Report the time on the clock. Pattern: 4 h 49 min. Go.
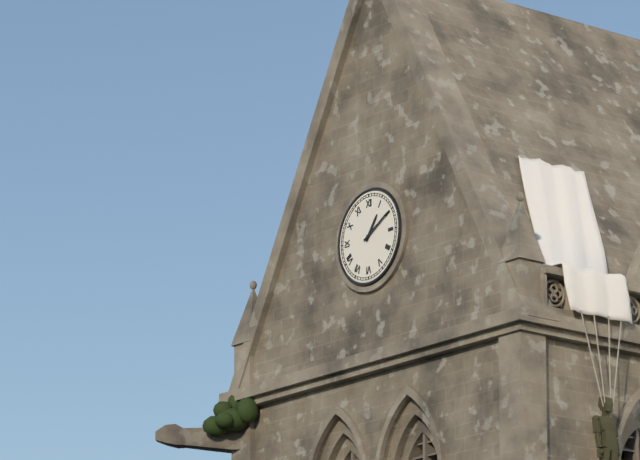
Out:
1 h 10 min
